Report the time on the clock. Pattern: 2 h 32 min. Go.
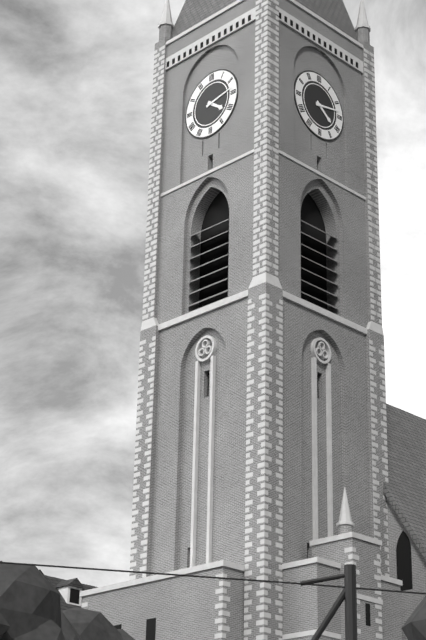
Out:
4 h 13 min
